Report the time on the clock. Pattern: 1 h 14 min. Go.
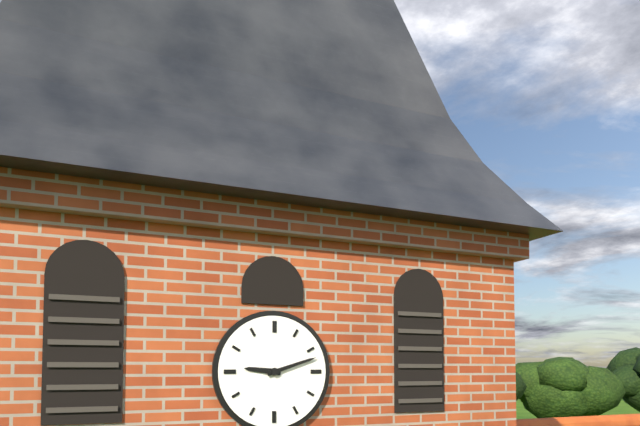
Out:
9 h 12 min
